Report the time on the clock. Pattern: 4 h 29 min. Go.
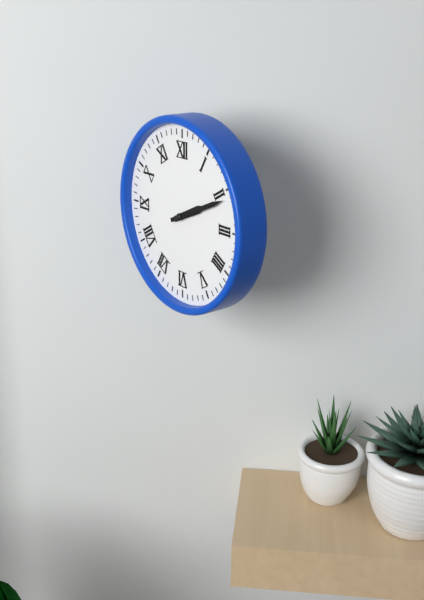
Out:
2 h 11 min
